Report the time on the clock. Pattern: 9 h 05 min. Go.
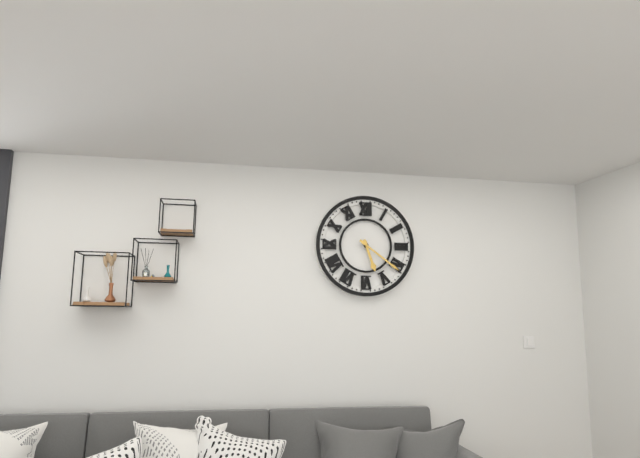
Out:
5 h 21 min
